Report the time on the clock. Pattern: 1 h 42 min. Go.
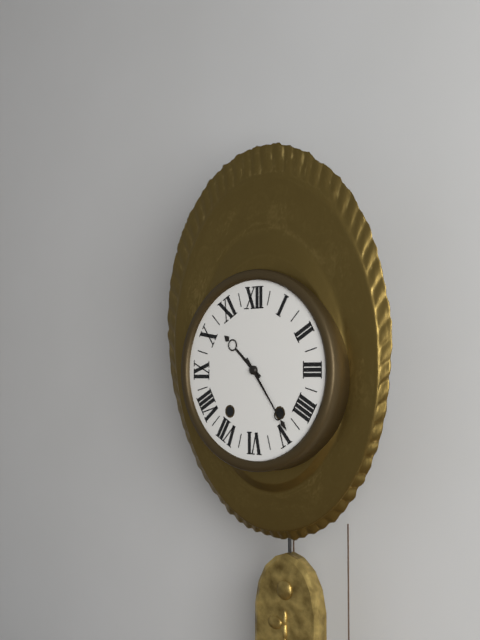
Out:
10 h 24 min
